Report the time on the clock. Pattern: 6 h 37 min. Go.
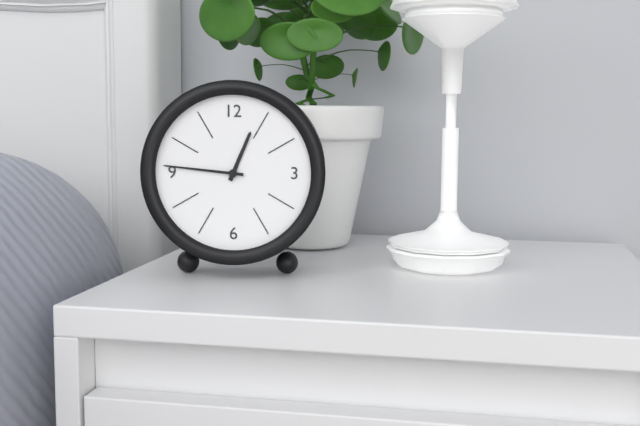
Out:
12 h 46 min
